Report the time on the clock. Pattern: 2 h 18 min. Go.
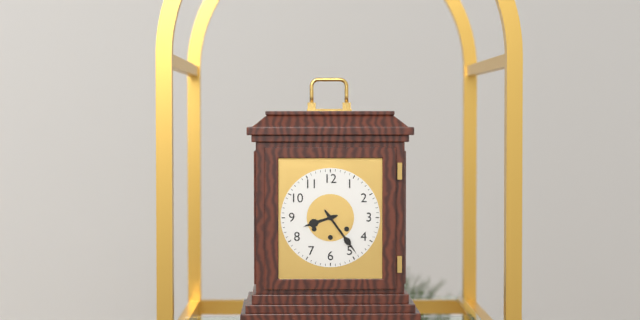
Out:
8 h 24 min
